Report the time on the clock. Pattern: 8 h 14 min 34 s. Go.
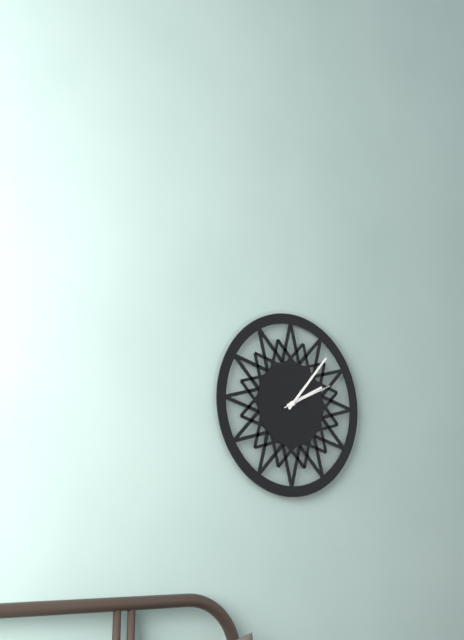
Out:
2 h 07 min 11 s
